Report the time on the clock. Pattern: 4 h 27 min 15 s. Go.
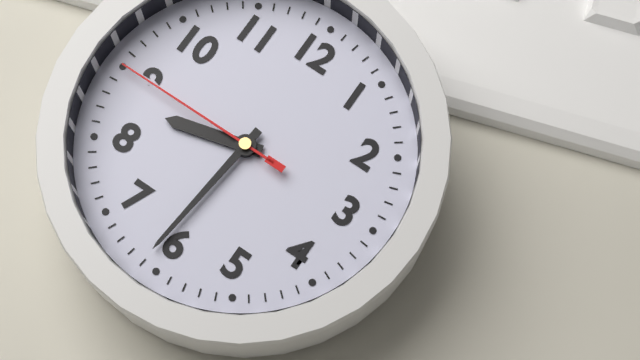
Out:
8 h 31 min 45 s
